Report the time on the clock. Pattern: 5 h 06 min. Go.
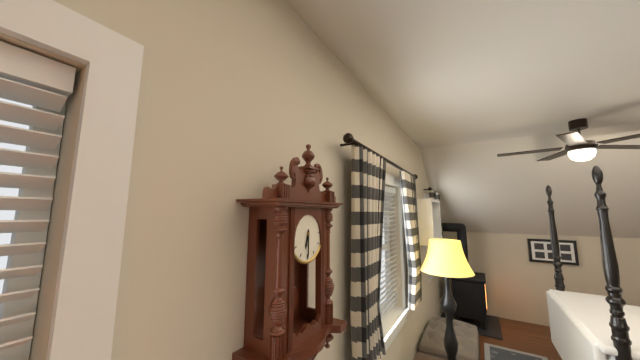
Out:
6 h 30 min
